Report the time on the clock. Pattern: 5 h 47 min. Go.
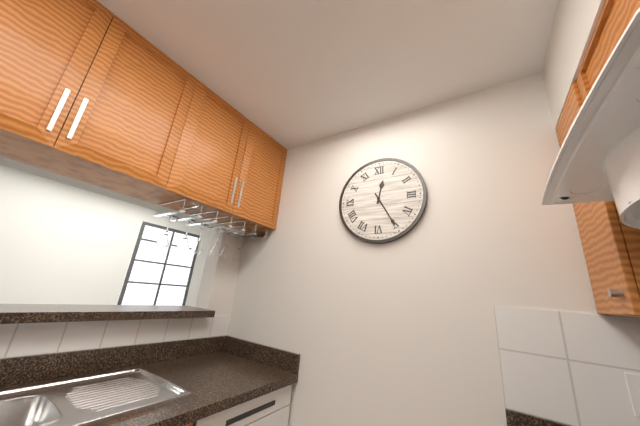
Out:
12 h 25 min
